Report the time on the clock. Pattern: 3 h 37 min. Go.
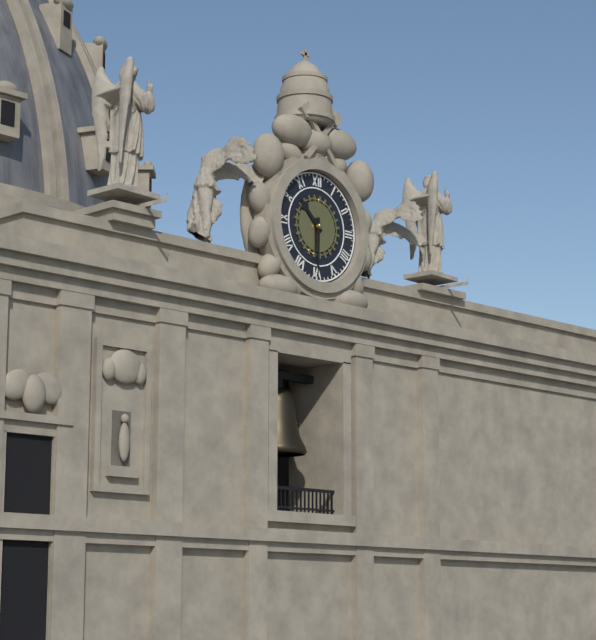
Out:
10 h 30 min
